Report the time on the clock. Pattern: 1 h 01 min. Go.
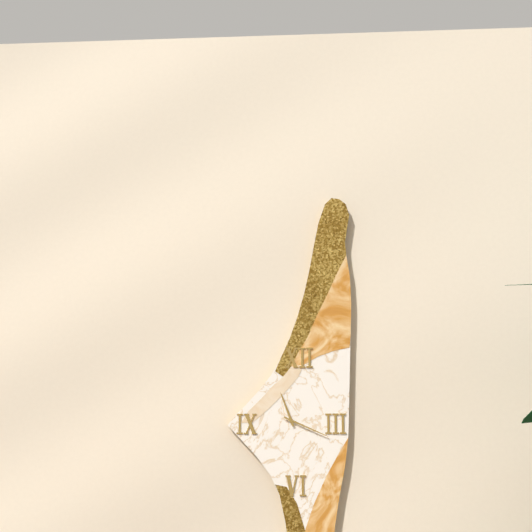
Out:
11 h 19 min
